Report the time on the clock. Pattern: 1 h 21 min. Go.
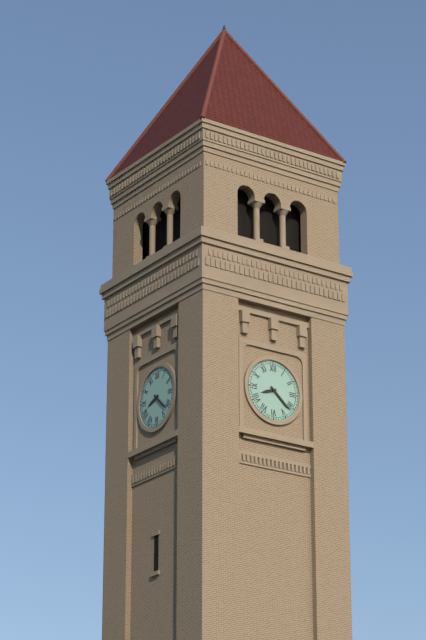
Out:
8 h 22 min
